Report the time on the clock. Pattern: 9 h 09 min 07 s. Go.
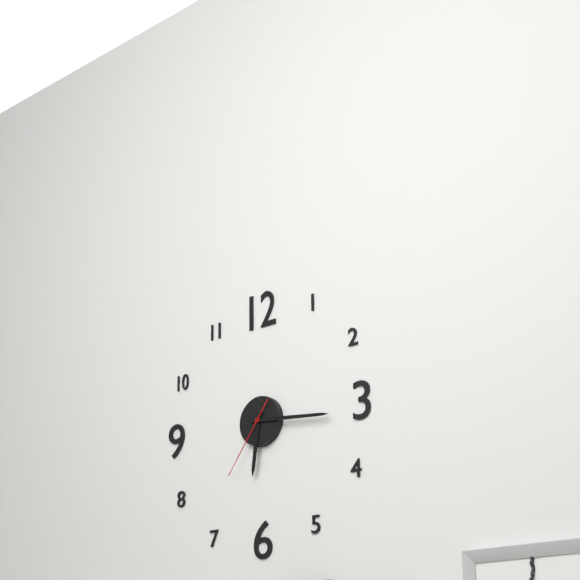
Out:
6 h 16 min 36 s
